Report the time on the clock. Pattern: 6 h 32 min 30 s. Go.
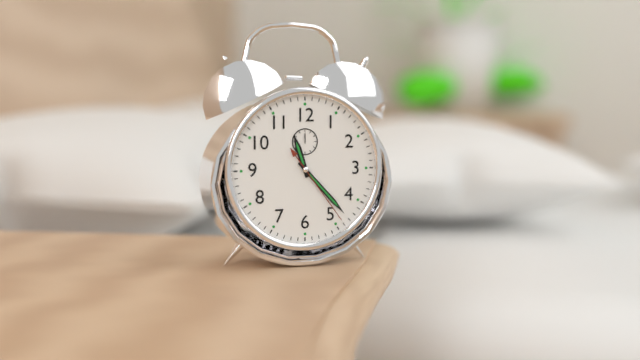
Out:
11 h 23 min 24 s
